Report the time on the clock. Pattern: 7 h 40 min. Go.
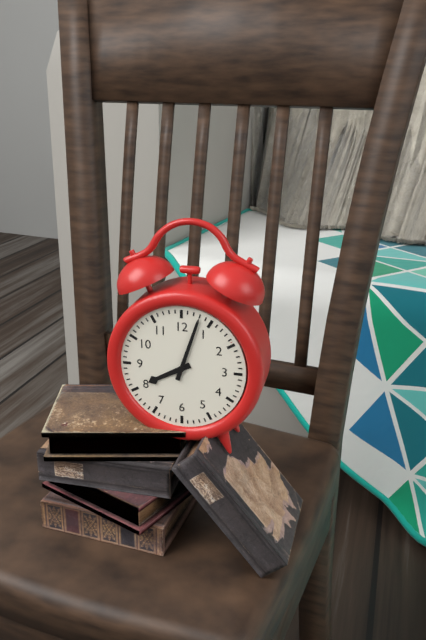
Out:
8 h 03 min
